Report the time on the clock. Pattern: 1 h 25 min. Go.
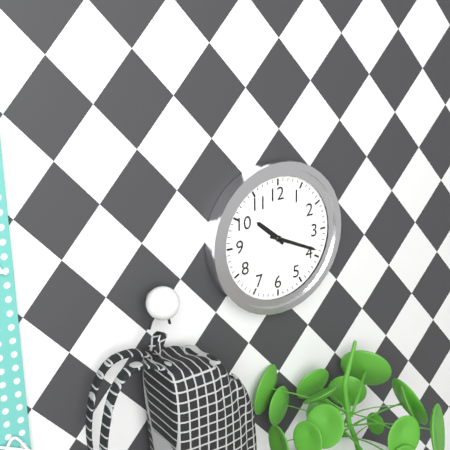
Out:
10 h 19 min
